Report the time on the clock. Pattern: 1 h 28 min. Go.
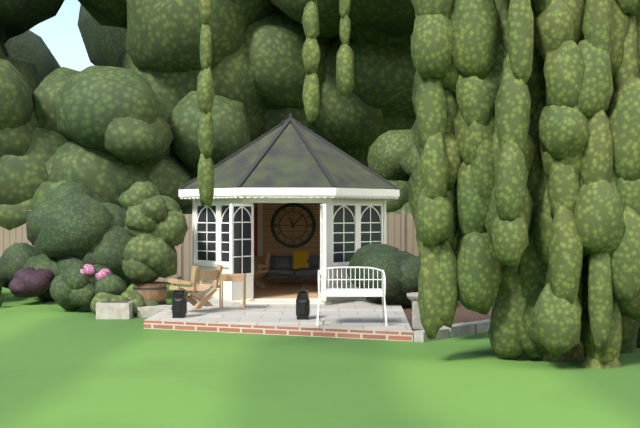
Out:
11 h 07 min
